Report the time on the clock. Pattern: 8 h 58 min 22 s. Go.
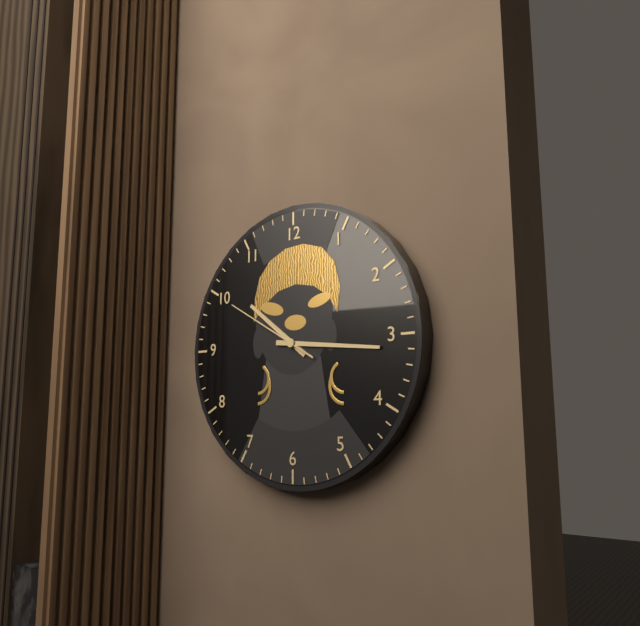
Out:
10 h 16 min 50 s
